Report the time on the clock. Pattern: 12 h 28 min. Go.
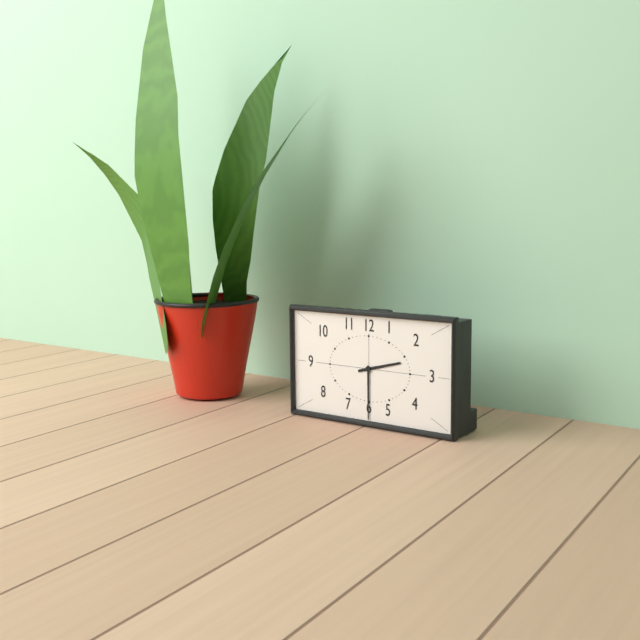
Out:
2 h 30 min
